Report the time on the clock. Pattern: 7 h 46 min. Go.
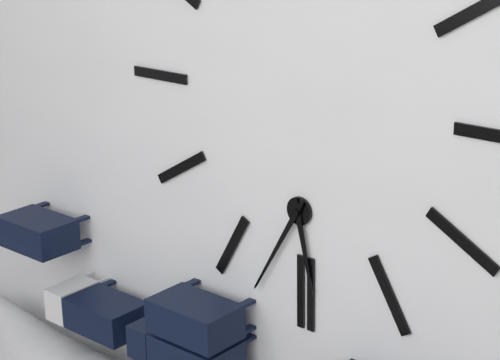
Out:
5 h 35 min
